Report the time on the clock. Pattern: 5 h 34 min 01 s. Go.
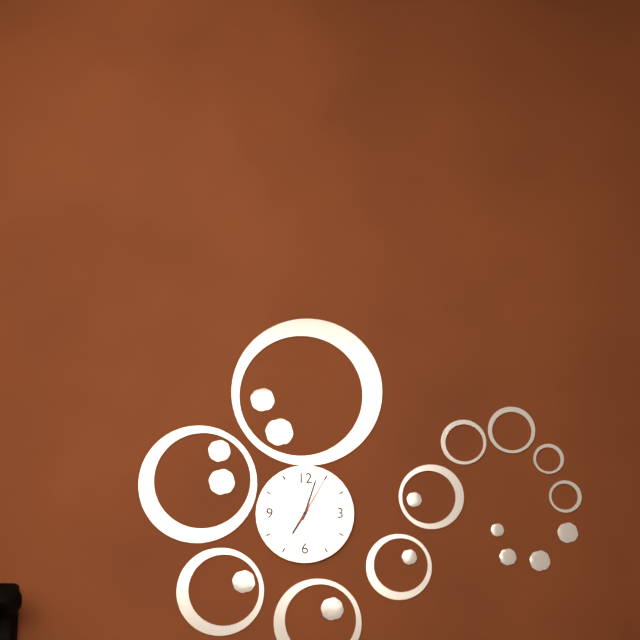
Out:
7 h 03 min 05 s
